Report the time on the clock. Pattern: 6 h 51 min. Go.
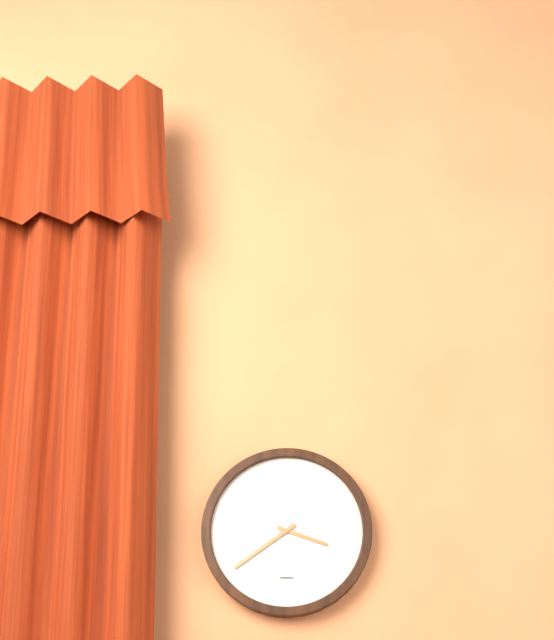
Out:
3 h 39 min
